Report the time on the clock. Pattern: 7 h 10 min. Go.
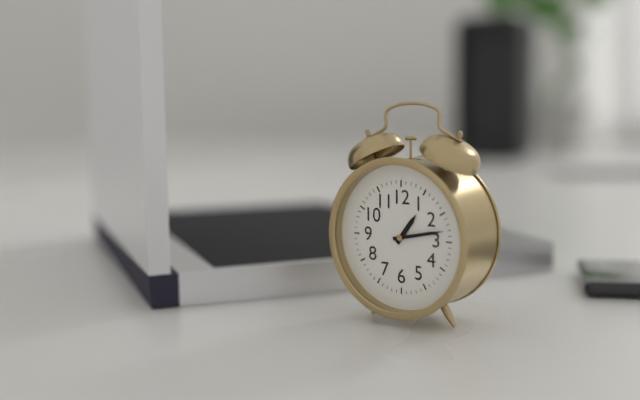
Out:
1 h 13 min
